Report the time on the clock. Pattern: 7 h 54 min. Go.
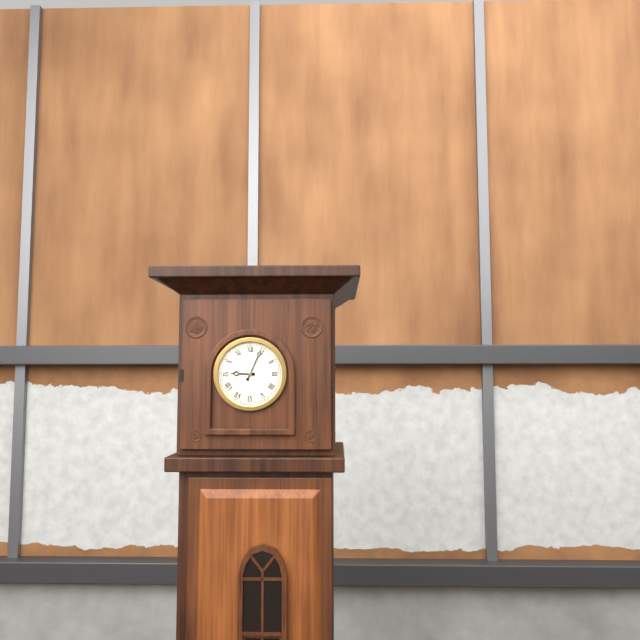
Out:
9 h 04 min
